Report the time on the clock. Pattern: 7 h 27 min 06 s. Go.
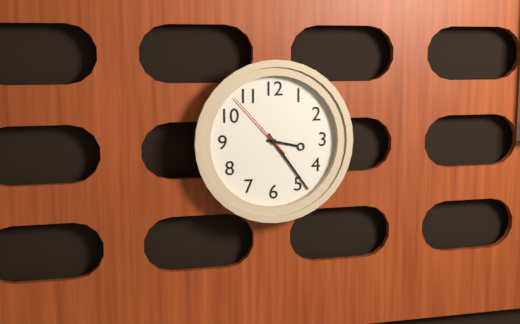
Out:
3 h 24 min 53 s
